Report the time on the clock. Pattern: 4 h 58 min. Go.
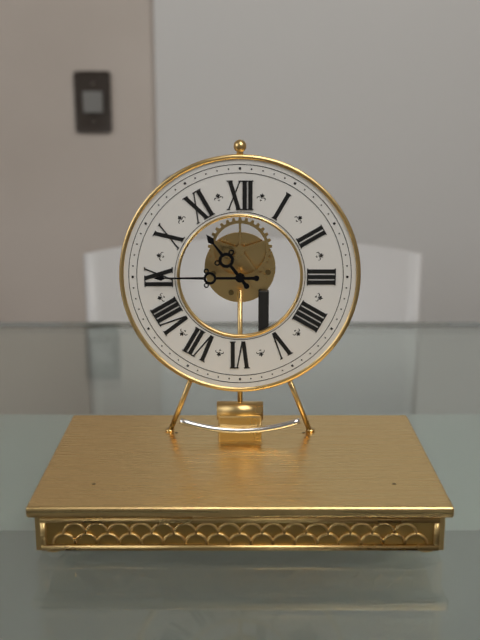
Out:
10 h 45 min
